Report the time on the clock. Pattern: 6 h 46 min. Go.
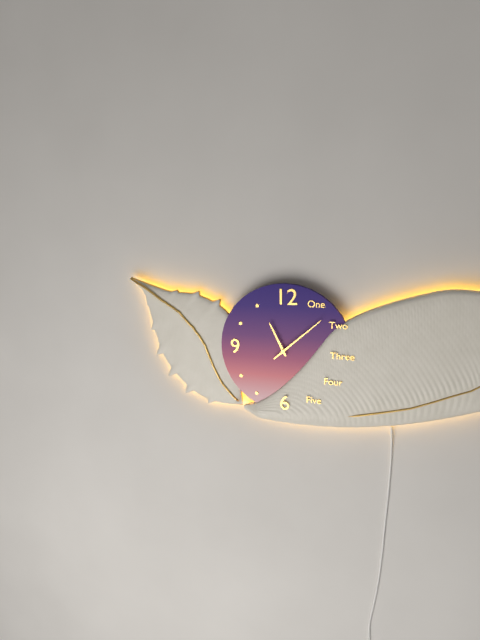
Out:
11 h 08 min
